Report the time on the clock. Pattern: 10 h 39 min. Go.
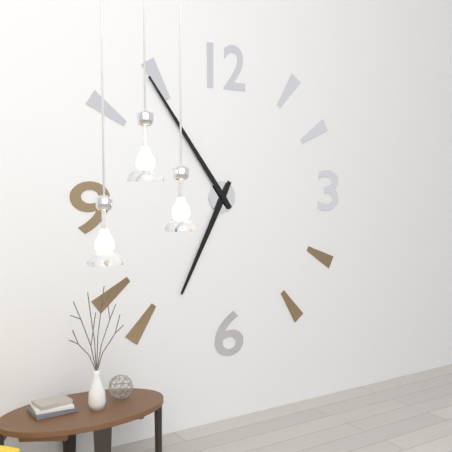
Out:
6 h 54 min
